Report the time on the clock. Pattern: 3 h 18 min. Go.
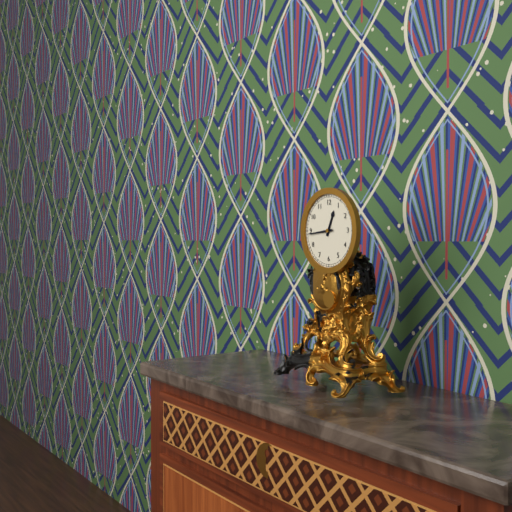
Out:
12 h 44 min
